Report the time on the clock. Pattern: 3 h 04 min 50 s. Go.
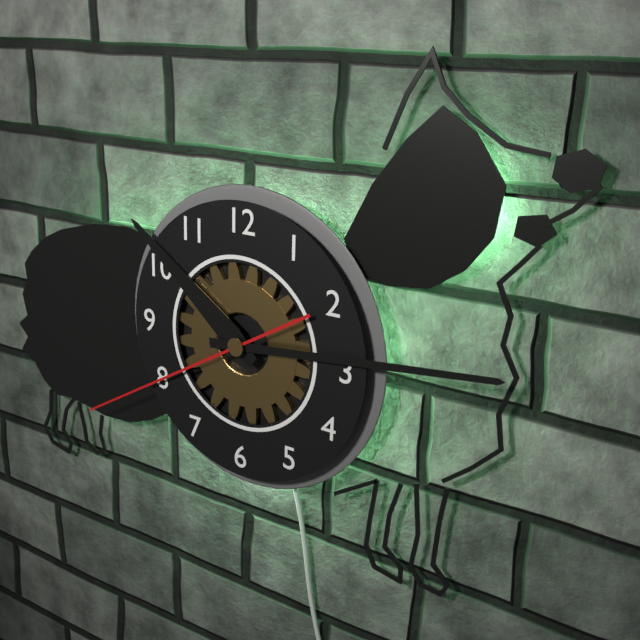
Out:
10 h 14 min 40 s
